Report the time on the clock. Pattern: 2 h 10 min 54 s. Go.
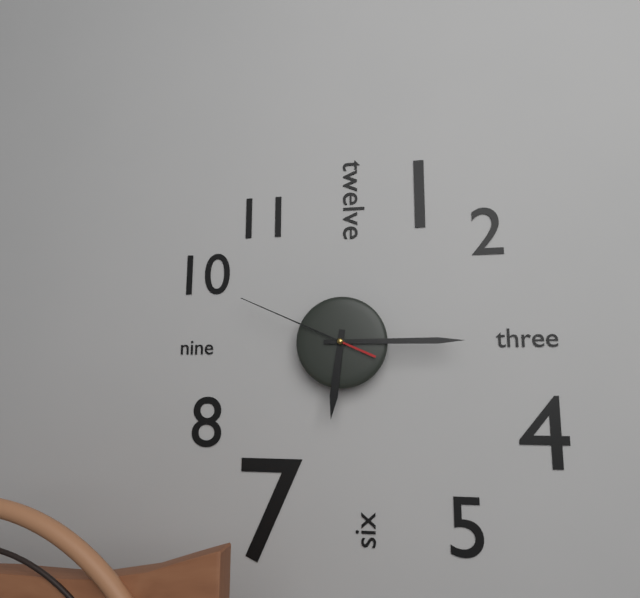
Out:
6 h 15 min 49 s
